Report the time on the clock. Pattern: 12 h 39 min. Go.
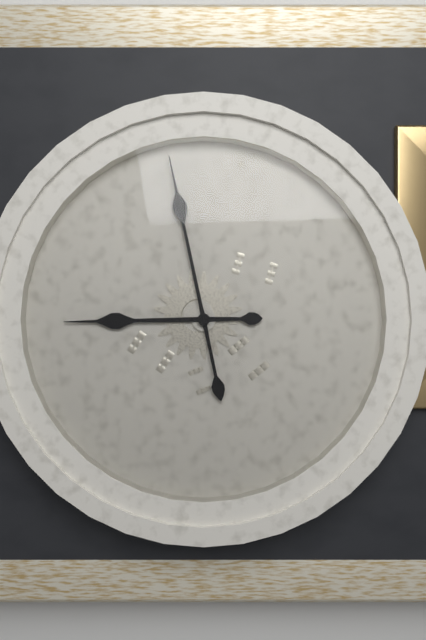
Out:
8 h 58 min
